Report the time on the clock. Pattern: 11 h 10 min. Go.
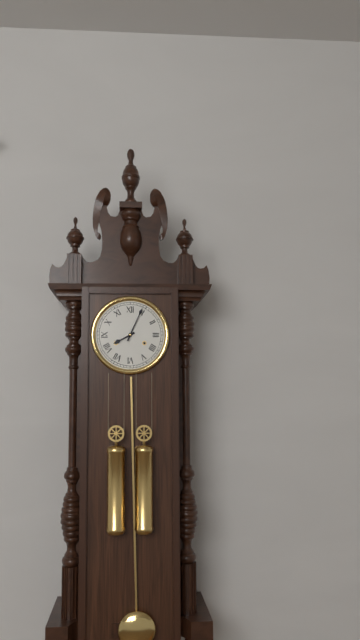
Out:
8 h 04 min
